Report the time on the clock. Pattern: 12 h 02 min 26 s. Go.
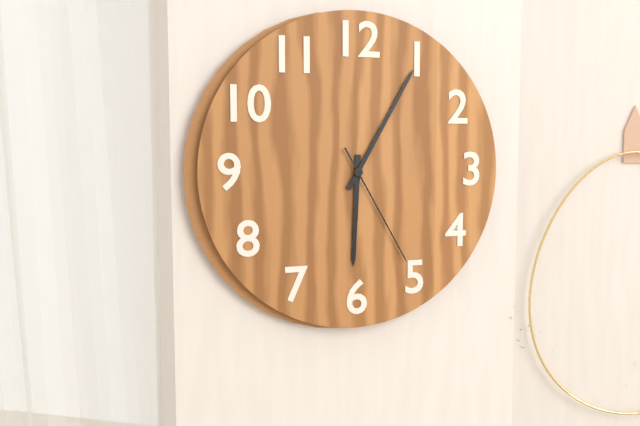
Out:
6 h 05 min 25 s
